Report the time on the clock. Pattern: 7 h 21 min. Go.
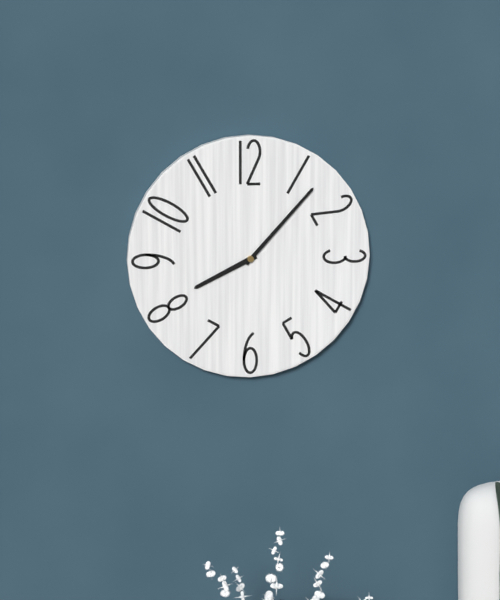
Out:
8 h 07 min
